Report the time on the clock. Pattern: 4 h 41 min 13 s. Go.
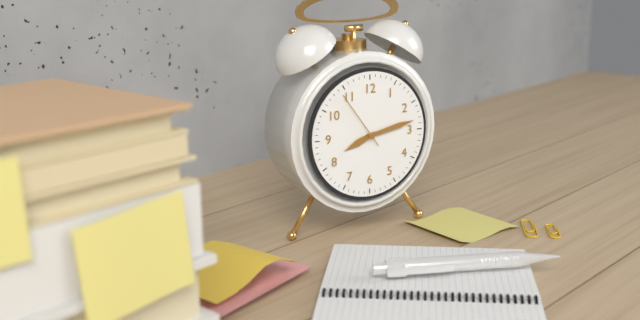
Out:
8 h 13 min 54 s
